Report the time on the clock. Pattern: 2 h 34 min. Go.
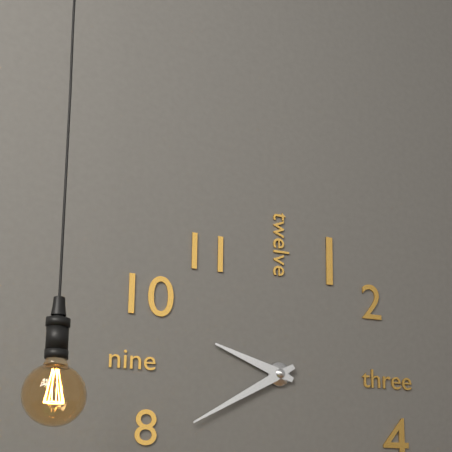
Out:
9 h 40 min
